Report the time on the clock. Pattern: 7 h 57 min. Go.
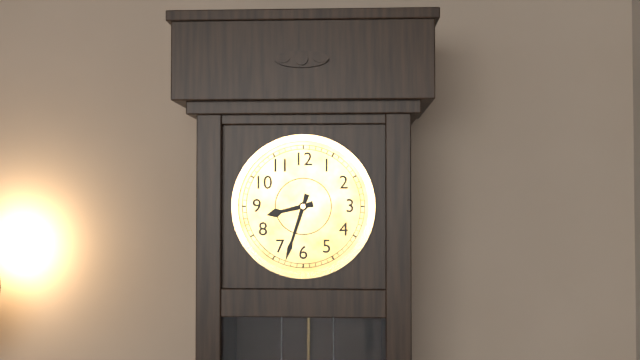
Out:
8 h 33 min
